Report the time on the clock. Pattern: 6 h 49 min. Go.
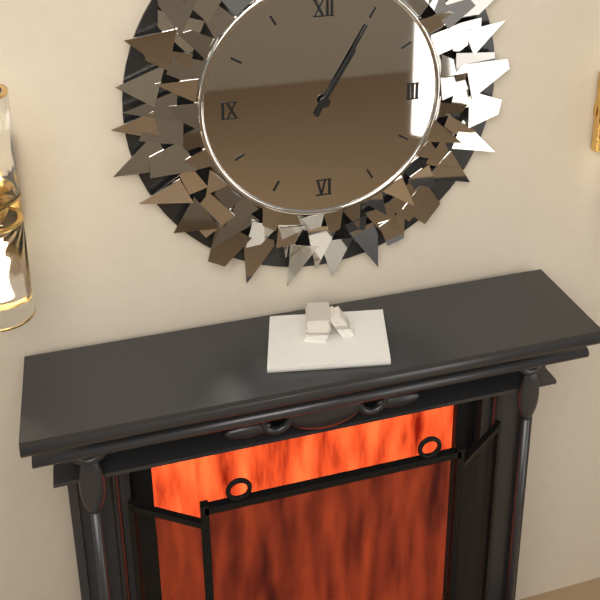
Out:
1 h 05 min
